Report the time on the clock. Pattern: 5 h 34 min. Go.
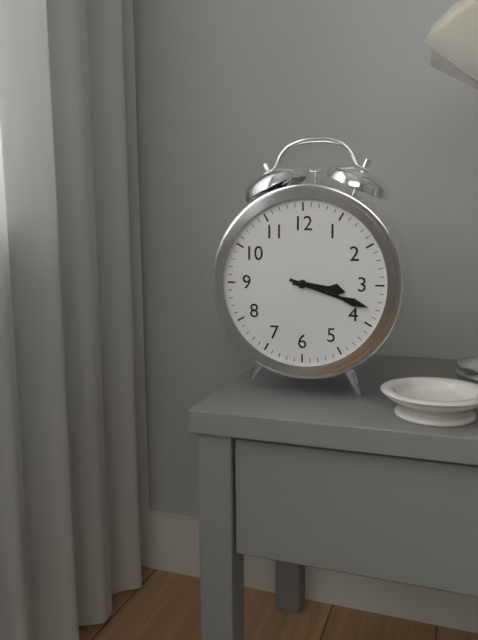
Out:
3 h 18 min
